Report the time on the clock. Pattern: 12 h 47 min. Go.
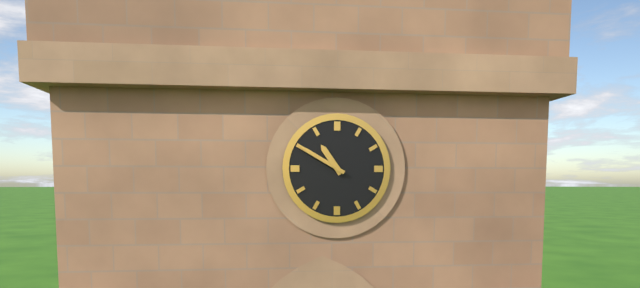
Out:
10 h 50 min
